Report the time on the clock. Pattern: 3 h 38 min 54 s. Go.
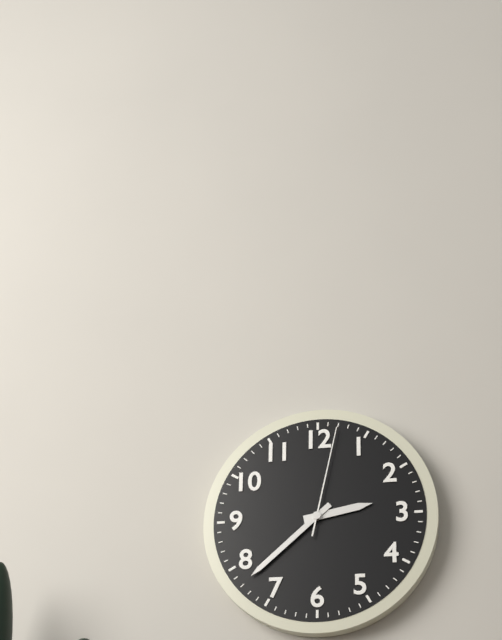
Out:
2 h 38 min 02 s
